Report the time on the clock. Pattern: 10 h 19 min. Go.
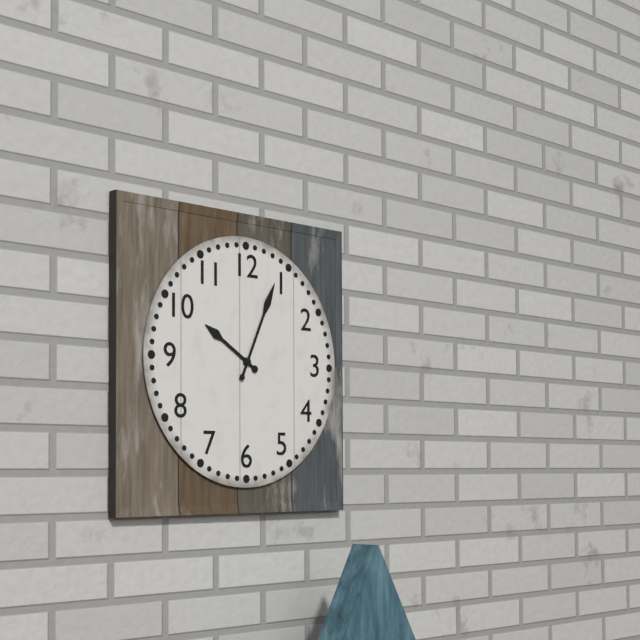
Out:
10 h 04 min
